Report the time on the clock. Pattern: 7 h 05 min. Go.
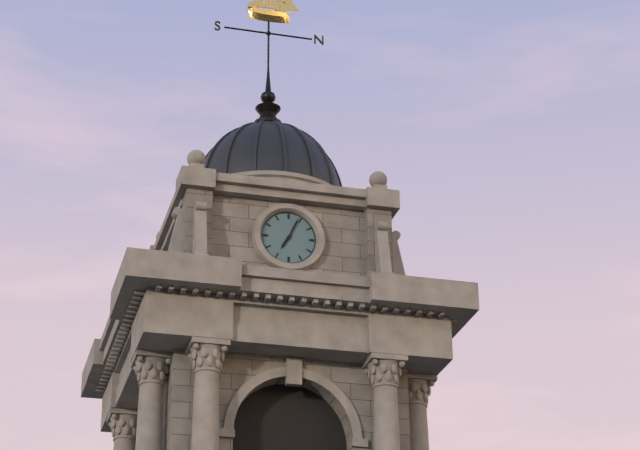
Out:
7 h 04 min
